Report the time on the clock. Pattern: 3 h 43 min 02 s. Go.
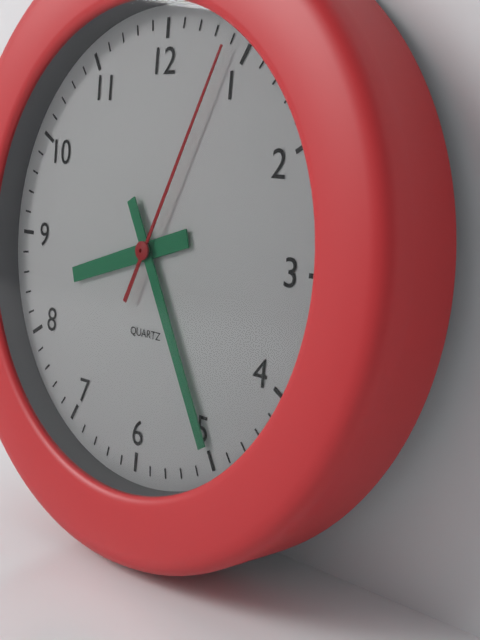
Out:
8 h 25 min 04 s
